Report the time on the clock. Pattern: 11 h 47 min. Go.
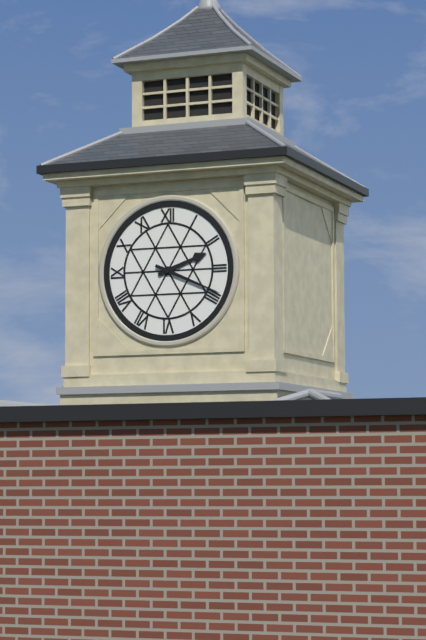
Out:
2 h 19 min
